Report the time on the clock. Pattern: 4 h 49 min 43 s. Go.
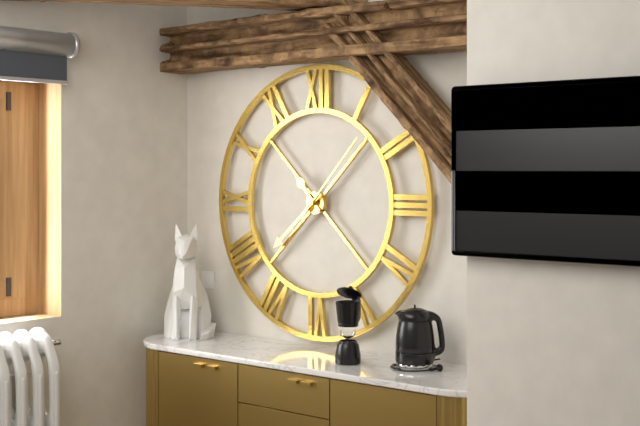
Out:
10 h 38 min 07 s
